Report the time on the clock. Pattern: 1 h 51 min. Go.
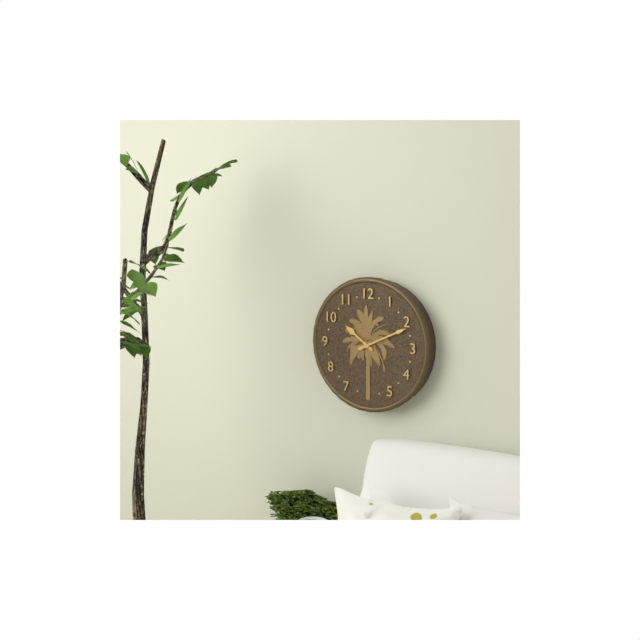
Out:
10 h 11 min
